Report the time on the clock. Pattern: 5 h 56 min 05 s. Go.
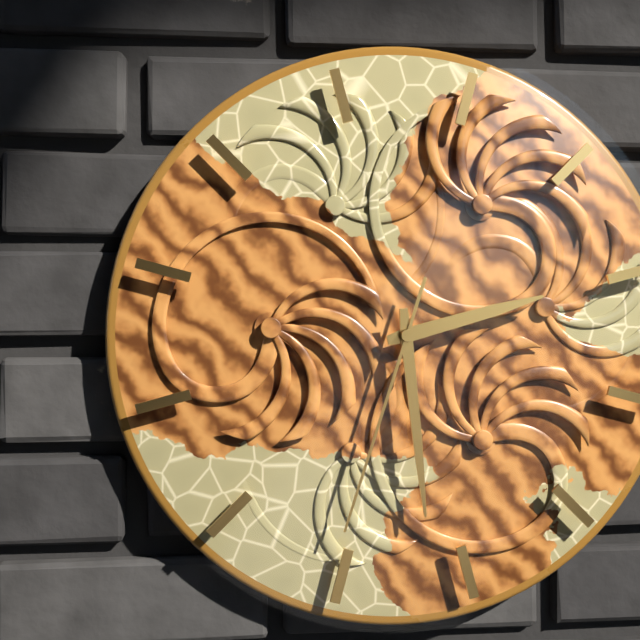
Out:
2 h 29 min 33 s
